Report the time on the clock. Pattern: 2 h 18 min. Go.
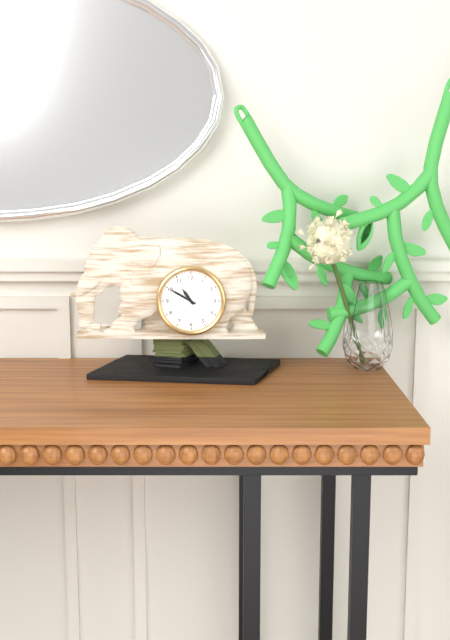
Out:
10 h 50 min
